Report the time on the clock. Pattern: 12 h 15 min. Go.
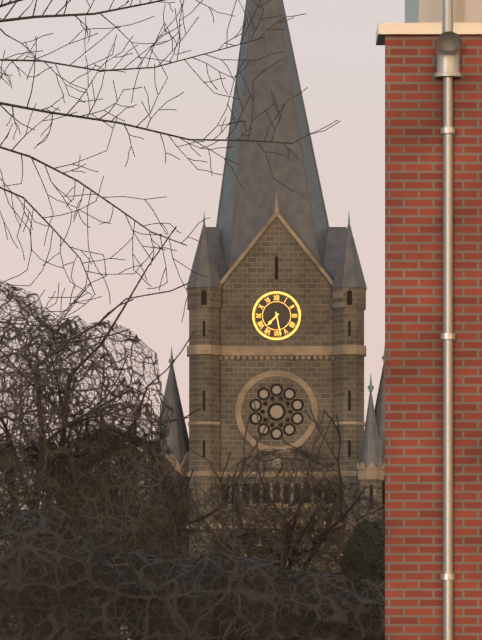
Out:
7 h 28 min
